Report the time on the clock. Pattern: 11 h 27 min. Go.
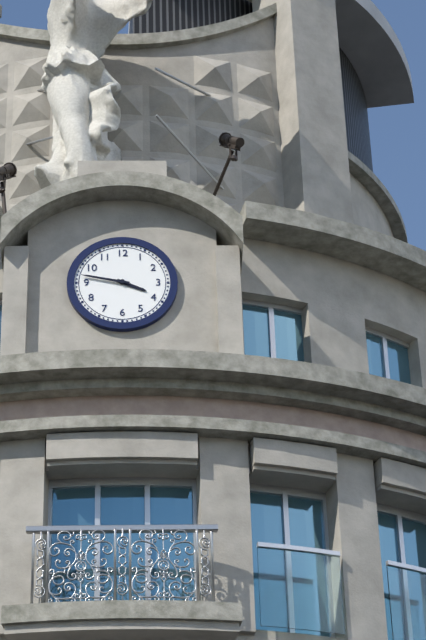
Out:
3 h 47 min
